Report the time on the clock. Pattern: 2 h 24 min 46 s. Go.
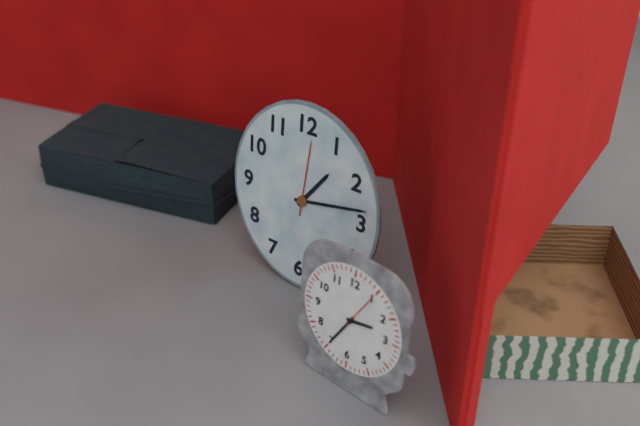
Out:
1 h 13 min 01 s
